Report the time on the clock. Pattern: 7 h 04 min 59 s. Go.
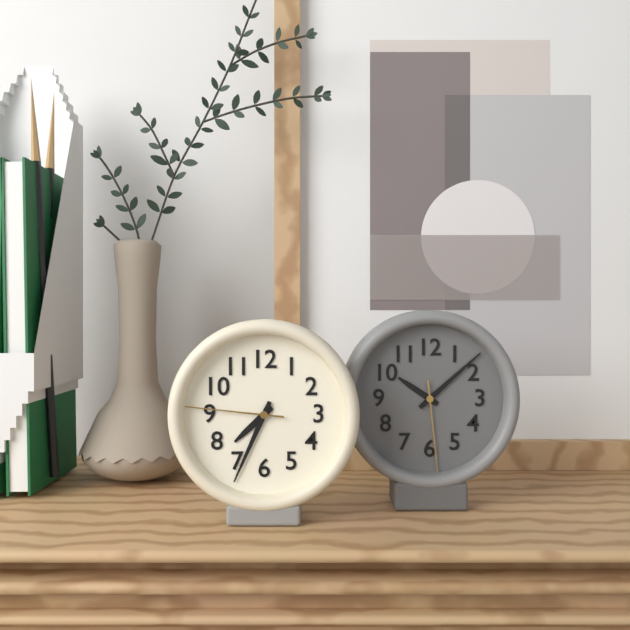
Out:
7 h 34 min 46 s
